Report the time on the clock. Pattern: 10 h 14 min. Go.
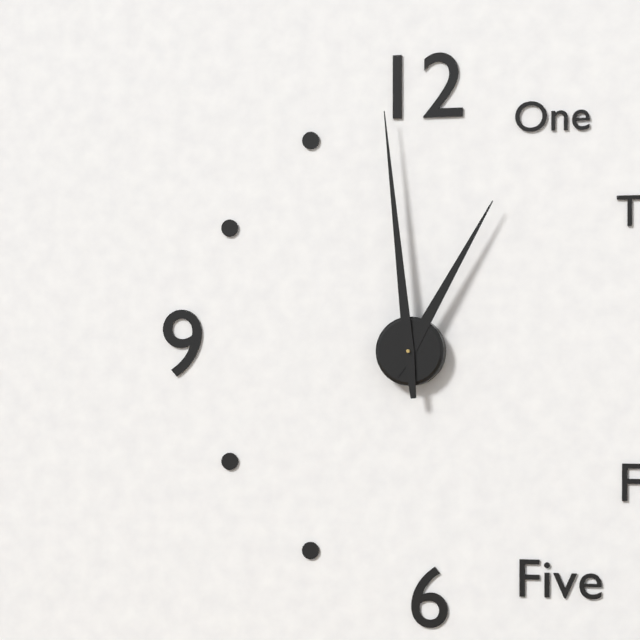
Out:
12 h 59 min
